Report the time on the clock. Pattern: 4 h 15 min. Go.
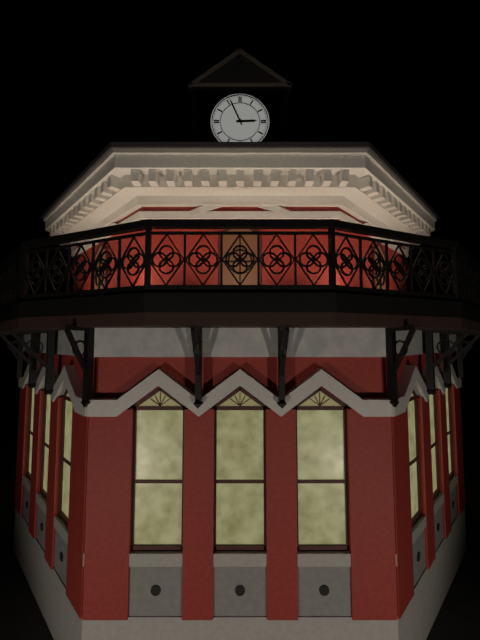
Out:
2 h 56 min
